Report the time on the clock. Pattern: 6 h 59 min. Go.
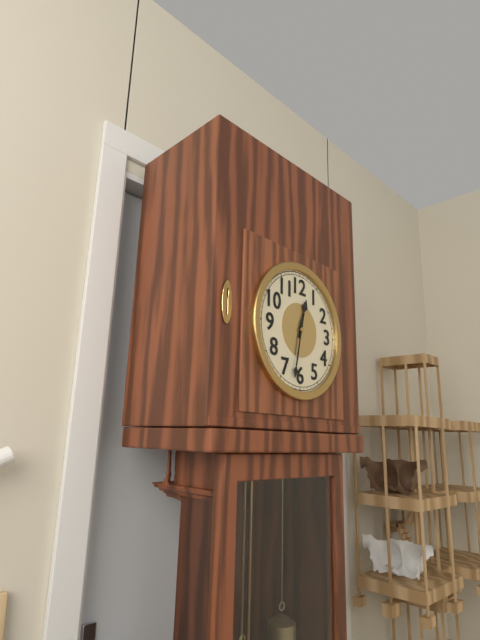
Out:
12 h 32 min
